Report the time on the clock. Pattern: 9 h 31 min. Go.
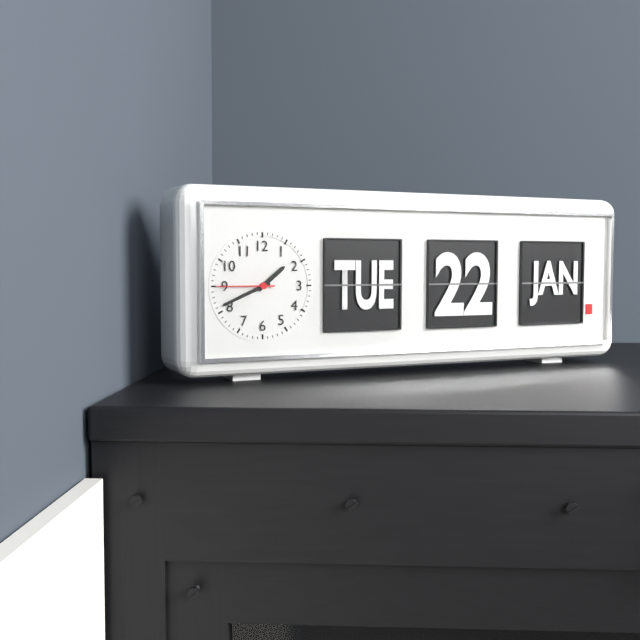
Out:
1 h 41 min
